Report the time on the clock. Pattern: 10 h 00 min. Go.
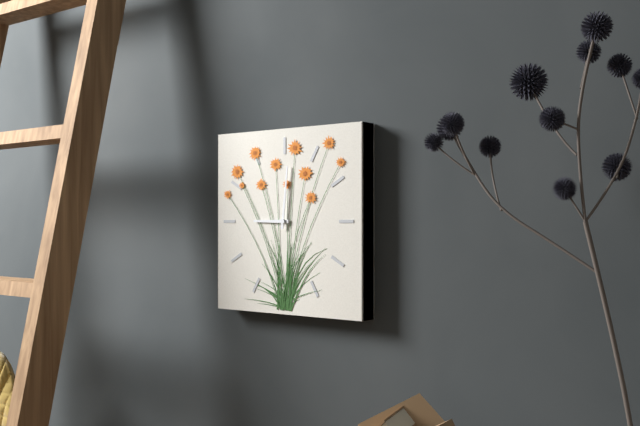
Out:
9 h 01 min
